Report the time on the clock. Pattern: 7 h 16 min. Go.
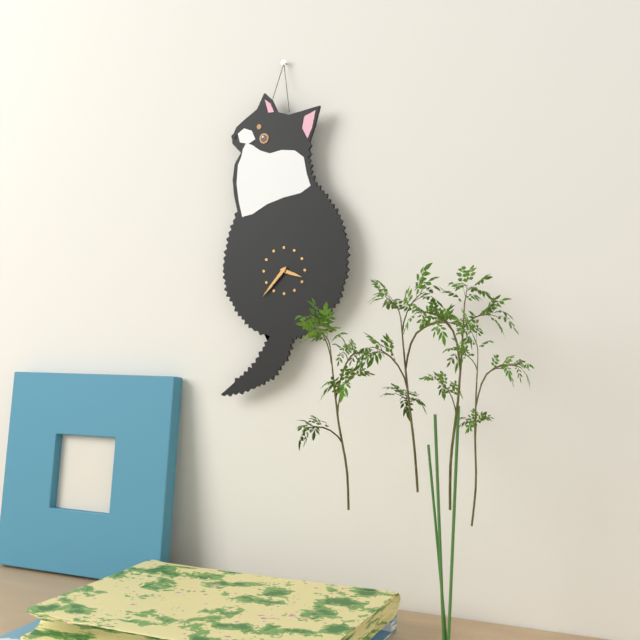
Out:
3 h 37 min
